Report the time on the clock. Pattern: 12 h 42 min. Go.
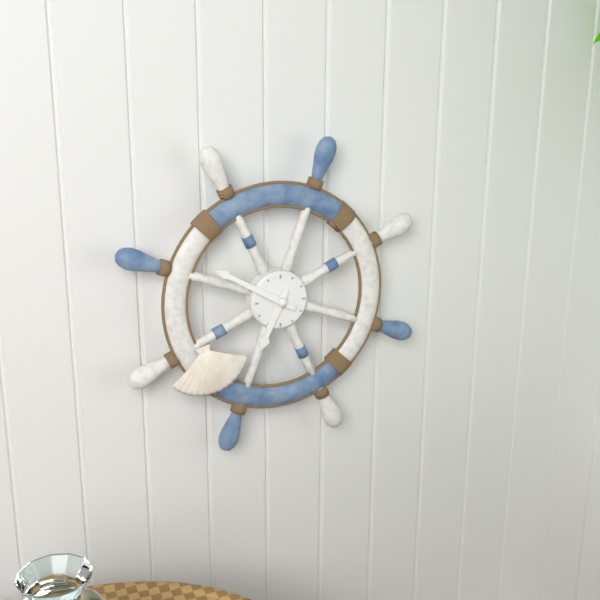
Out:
6 h 50 min
